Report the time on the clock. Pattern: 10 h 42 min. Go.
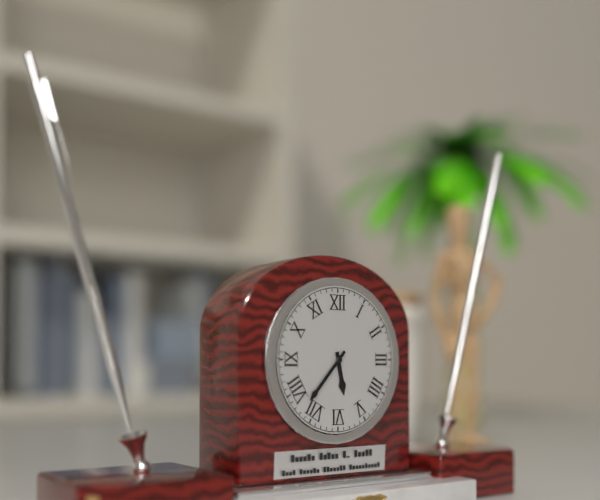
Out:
5 h 37 min
